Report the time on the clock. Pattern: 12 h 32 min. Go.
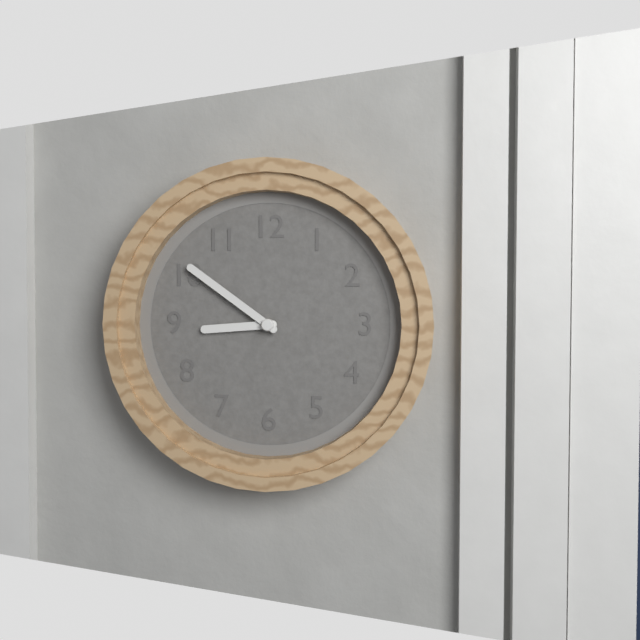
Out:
8 h 51 min
